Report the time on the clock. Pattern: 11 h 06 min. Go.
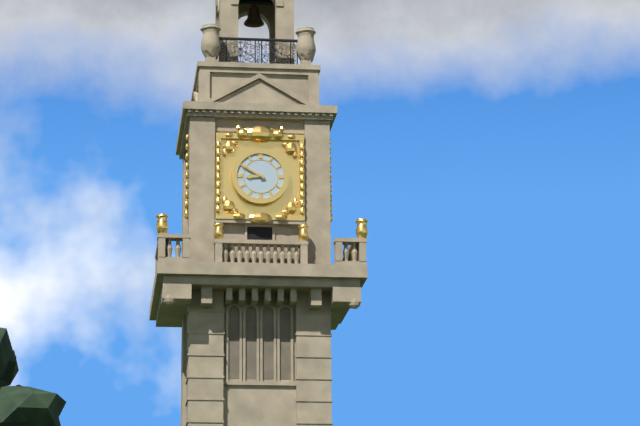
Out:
8 h 50 min
